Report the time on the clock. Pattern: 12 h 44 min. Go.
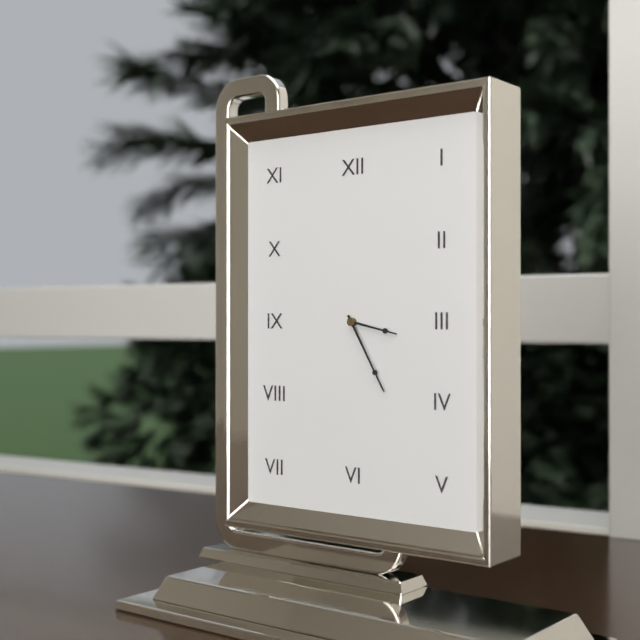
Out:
3 h 25 min
